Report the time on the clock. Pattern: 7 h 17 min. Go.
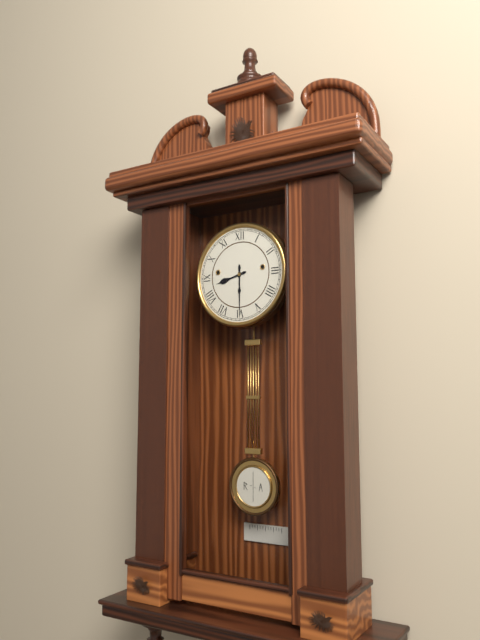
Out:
8 h 30 min
